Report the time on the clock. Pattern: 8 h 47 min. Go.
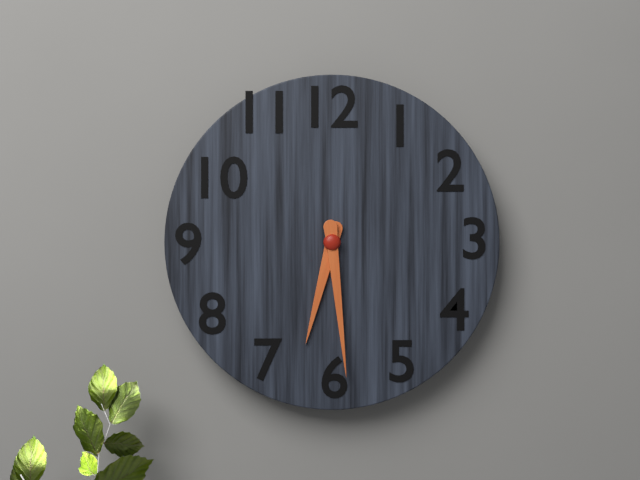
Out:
6 h 29 min
